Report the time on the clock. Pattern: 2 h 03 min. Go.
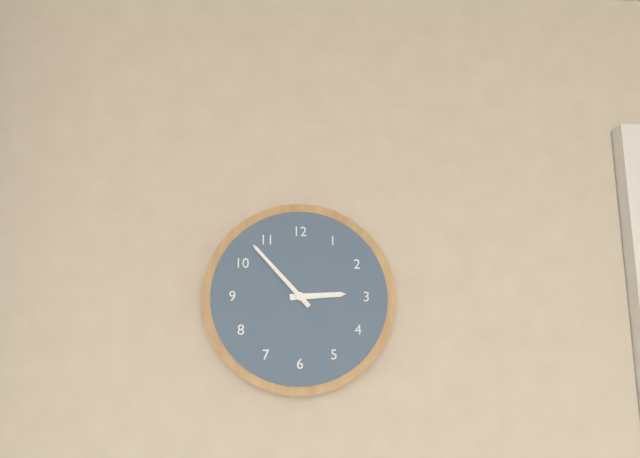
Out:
2 h 53 min
